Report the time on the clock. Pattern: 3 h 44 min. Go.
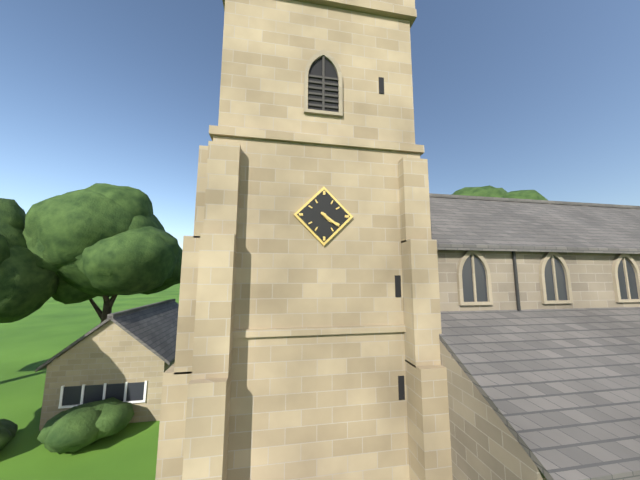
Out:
4 h 21 min
